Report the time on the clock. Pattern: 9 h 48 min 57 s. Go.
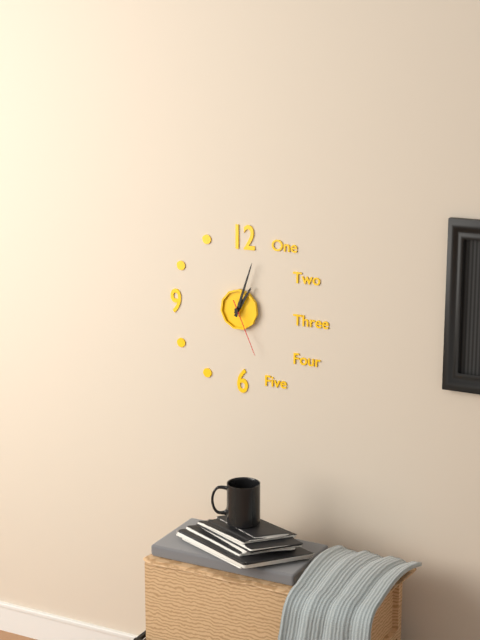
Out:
1 h 03 min 26 s
